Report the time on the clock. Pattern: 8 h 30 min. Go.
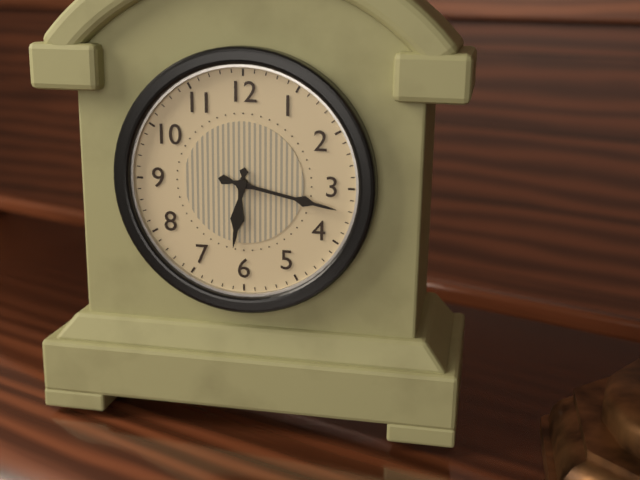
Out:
6 h 17 min
